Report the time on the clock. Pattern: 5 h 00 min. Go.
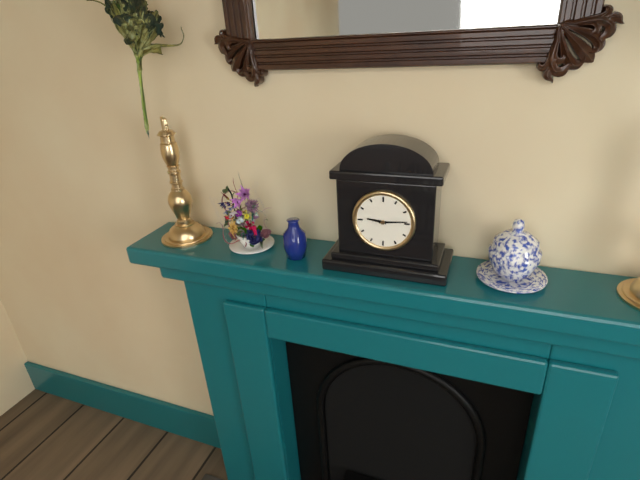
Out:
9 h 14 min
